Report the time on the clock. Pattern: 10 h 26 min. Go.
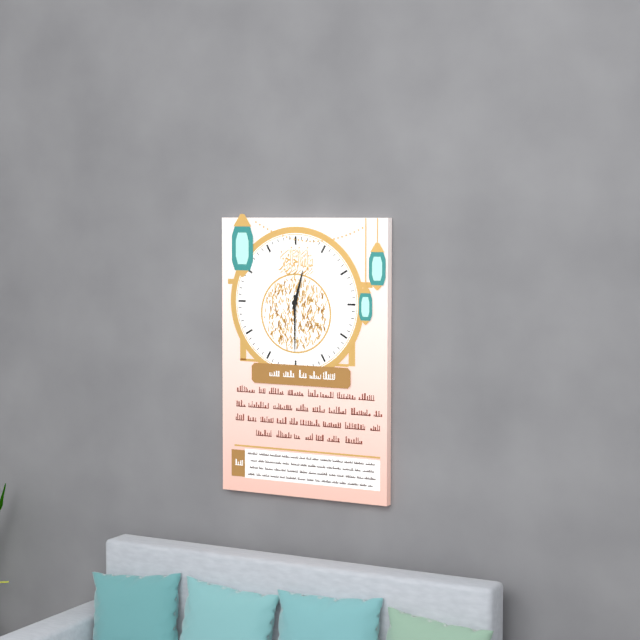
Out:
12 h 30 min
